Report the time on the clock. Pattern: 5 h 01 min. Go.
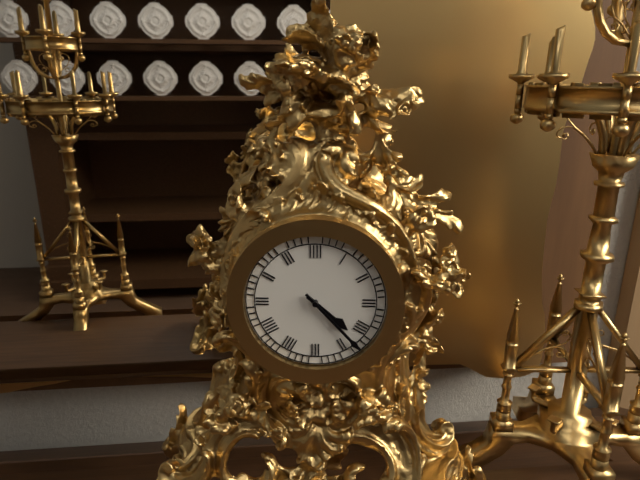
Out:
4 h 23 min
